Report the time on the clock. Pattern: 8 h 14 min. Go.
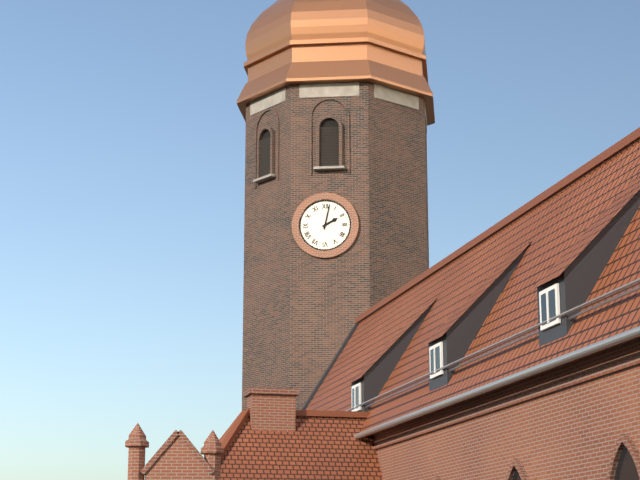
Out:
2 h 02 min
